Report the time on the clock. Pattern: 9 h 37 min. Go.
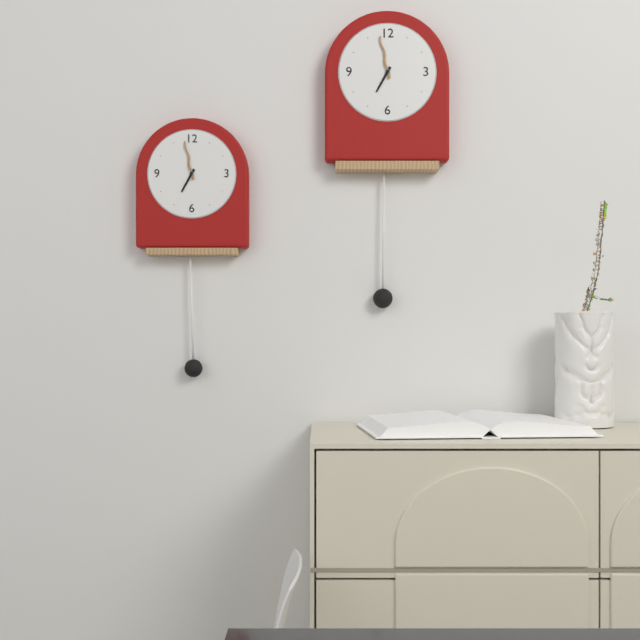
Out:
6 h 58 min
